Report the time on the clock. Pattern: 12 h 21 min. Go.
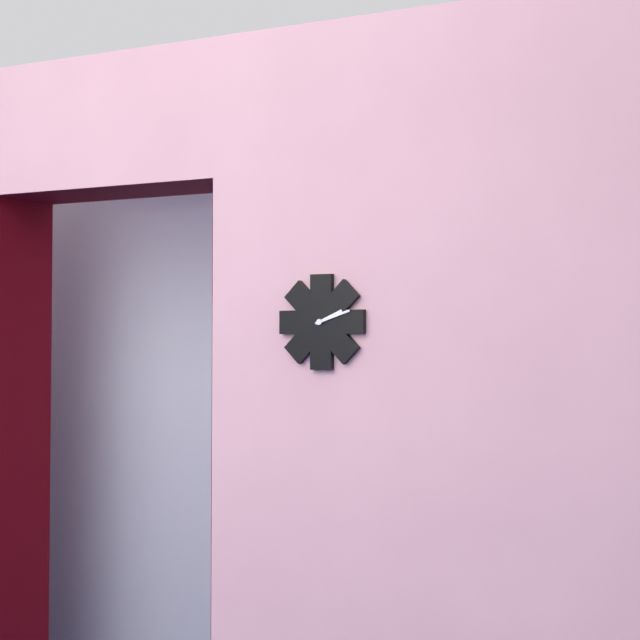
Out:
2 h 12 min
